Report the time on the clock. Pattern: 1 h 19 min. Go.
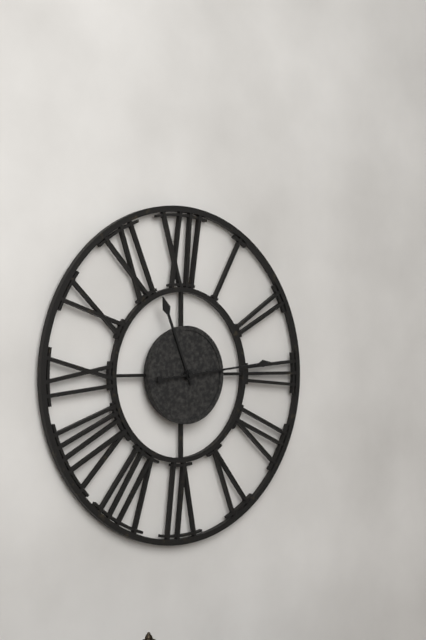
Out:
11 h 14 min
